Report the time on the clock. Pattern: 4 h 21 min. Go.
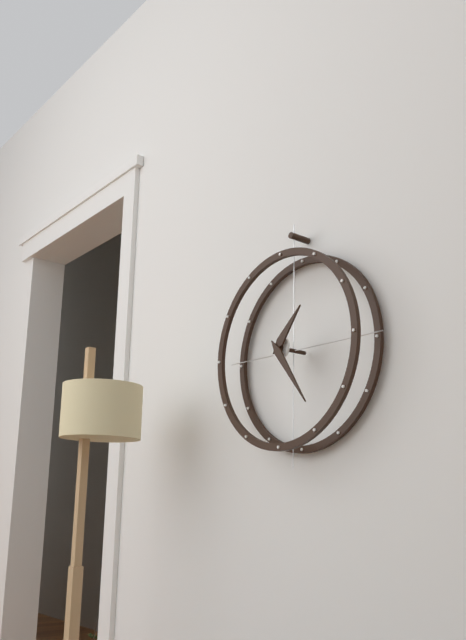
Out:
1 h 24 min
